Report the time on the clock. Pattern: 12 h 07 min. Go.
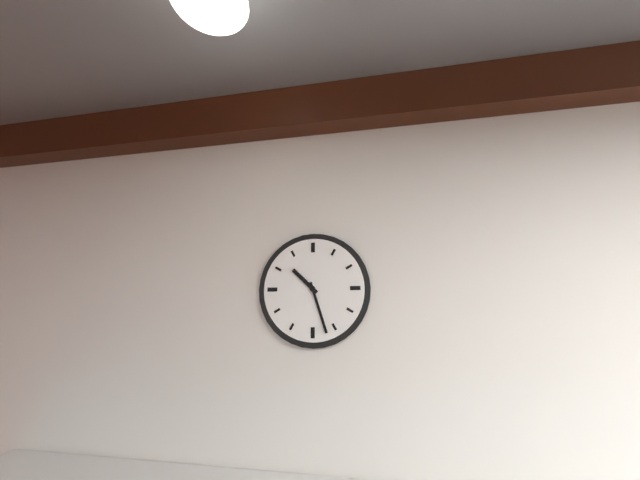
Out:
10 h 27 min
